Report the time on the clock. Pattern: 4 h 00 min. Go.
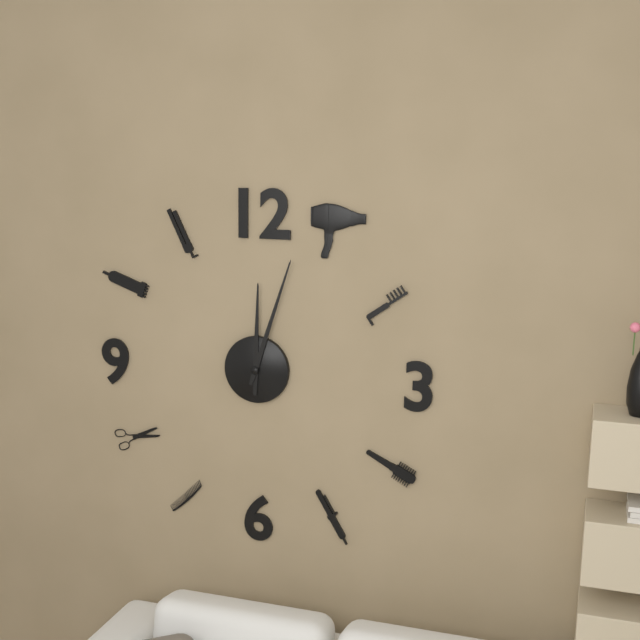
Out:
12 h 03 min
